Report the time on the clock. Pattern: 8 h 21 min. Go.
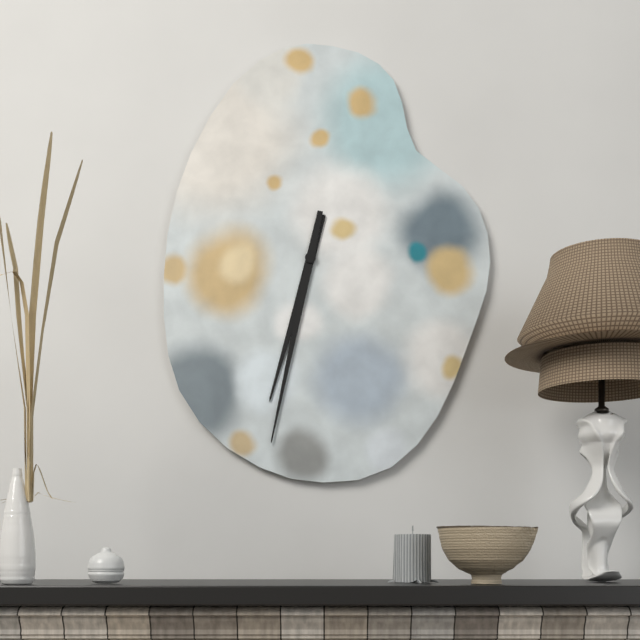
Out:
6 h 32 min
